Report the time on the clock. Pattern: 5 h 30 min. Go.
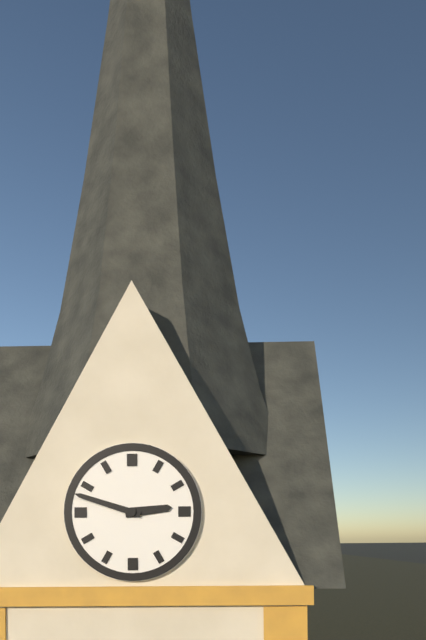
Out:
2 h 48 min
